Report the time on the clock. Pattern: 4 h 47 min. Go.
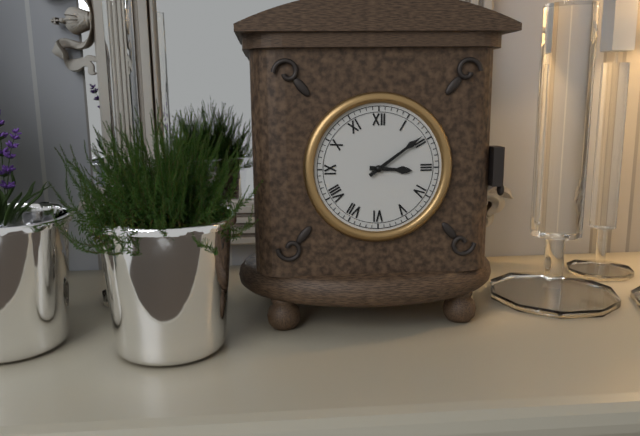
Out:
3 h 09 min
